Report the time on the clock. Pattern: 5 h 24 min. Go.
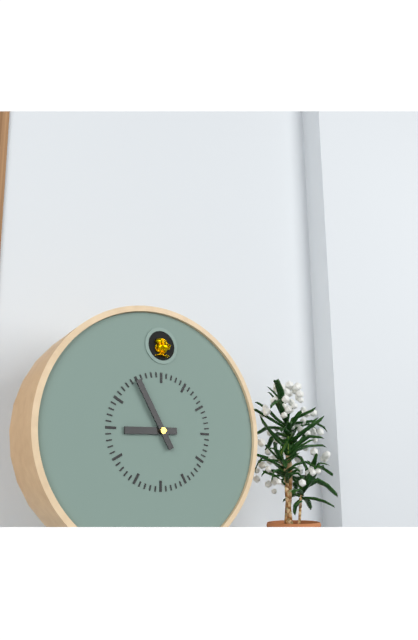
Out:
8 h 55 min
